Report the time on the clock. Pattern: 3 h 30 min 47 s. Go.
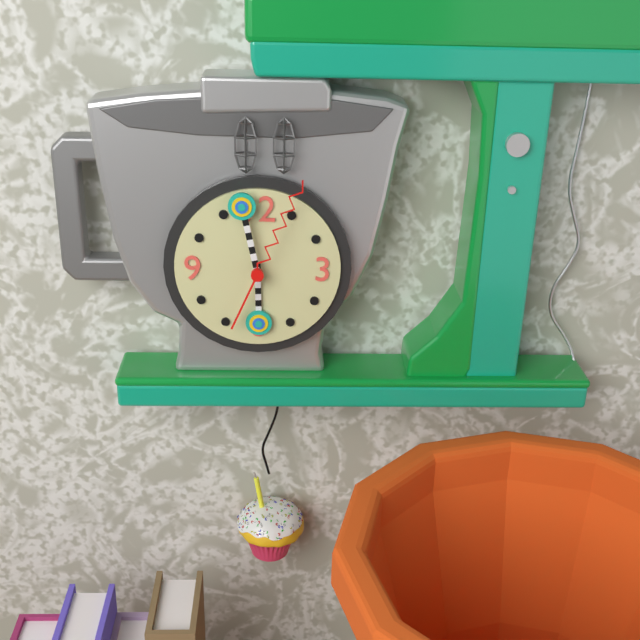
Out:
5 h 58 min 04 s
